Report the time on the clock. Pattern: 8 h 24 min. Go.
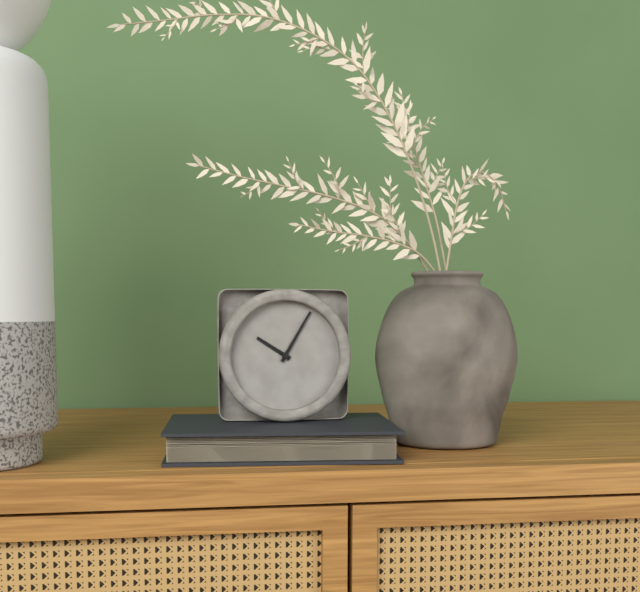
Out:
10 h 05 min
